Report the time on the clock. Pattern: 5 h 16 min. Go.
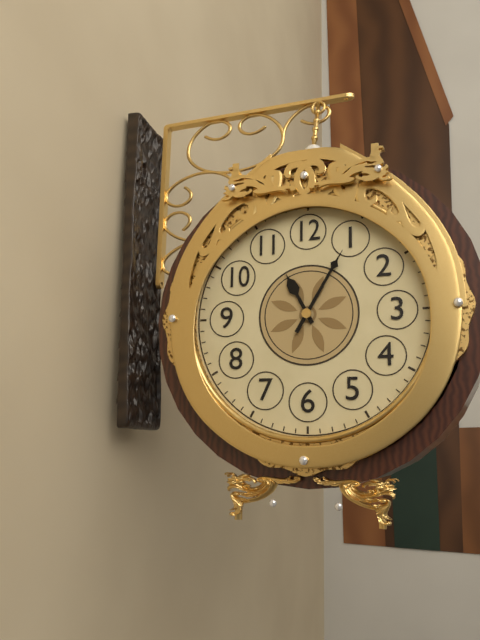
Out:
11 h 05 min
